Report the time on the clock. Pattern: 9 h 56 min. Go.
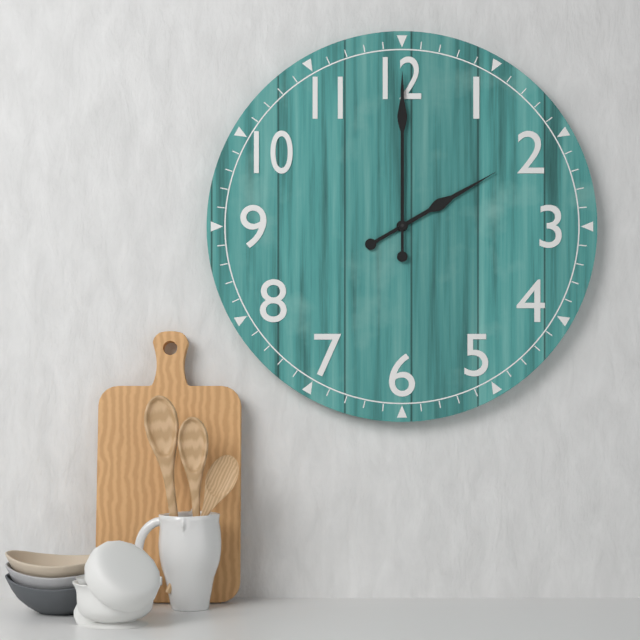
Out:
2 h 00 min
